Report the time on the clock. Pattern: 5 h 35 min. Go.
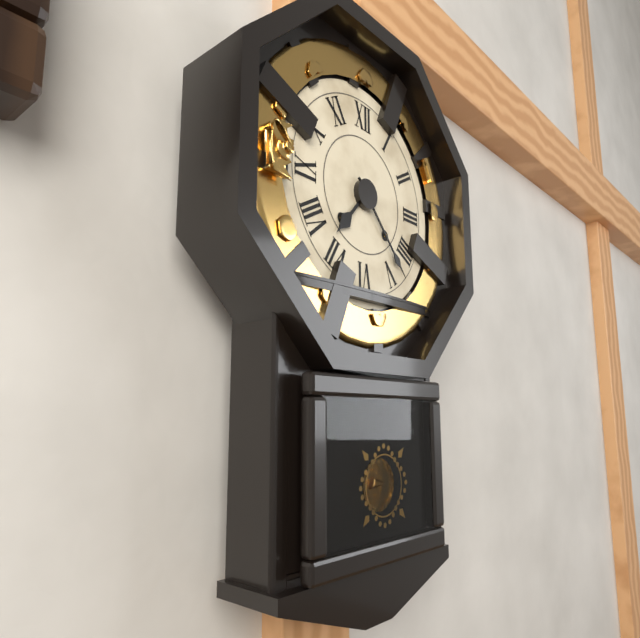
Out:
7 h 23 min
